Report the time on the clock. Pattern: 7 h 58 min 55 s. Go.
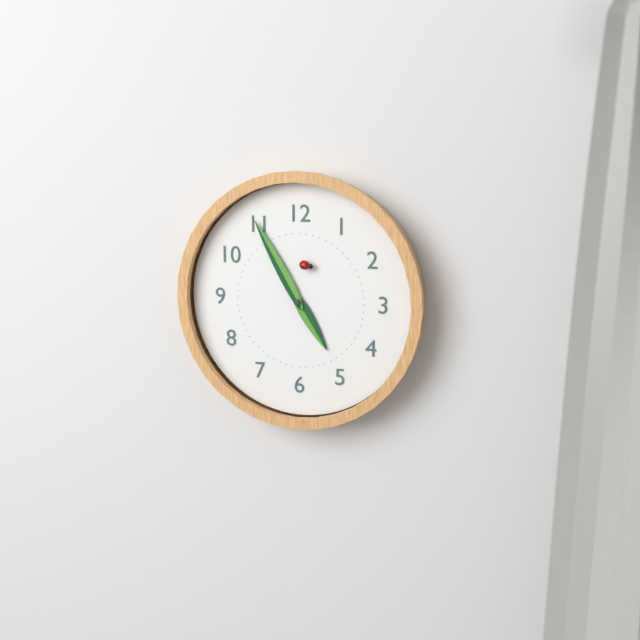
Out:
4 h 55 min 02 s
